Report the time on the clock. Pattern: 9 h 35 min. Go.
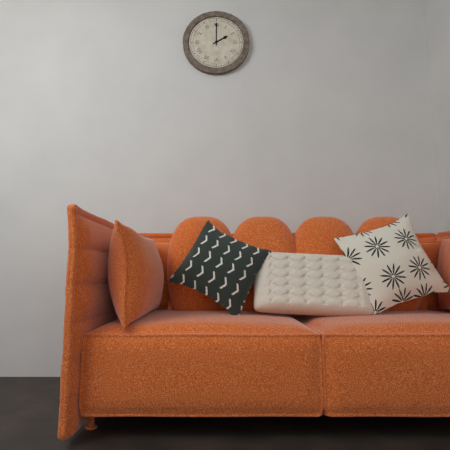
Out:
2 h 00 min
